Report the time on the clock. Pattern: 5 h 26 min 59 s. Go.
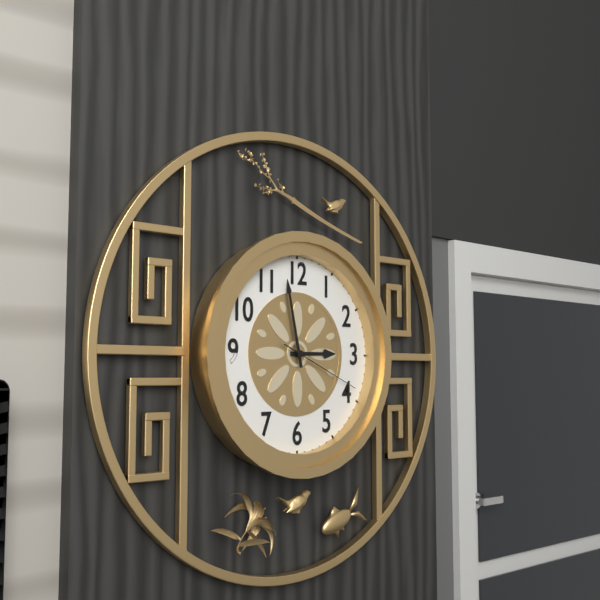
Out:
2 h 58 min 19 s
